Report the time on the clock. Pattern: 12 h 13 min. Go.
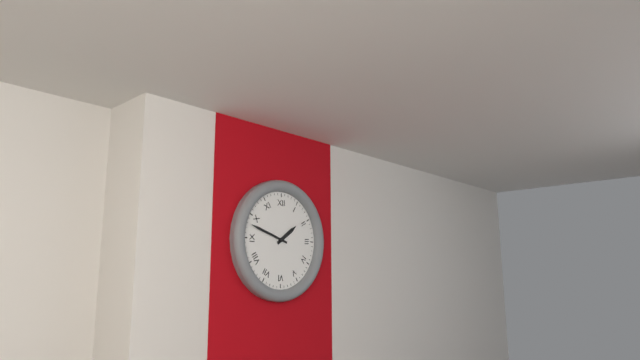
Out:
1 h 48 min
